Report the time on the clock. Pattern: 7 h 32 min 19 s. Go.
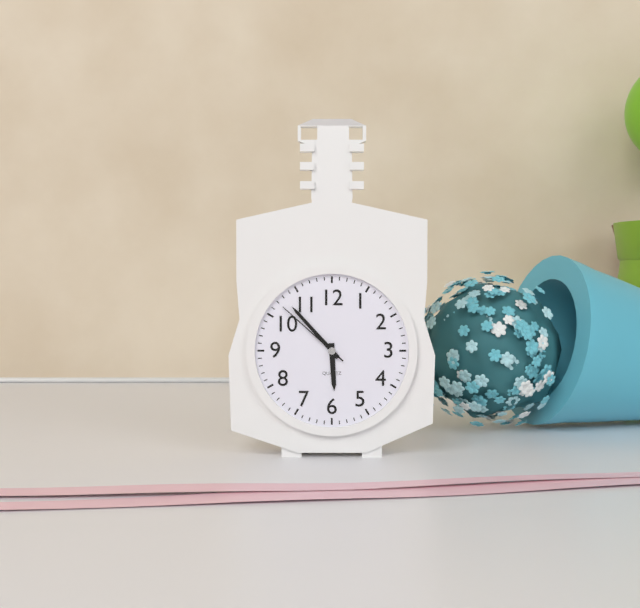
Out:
5 h 53 min 52 s
